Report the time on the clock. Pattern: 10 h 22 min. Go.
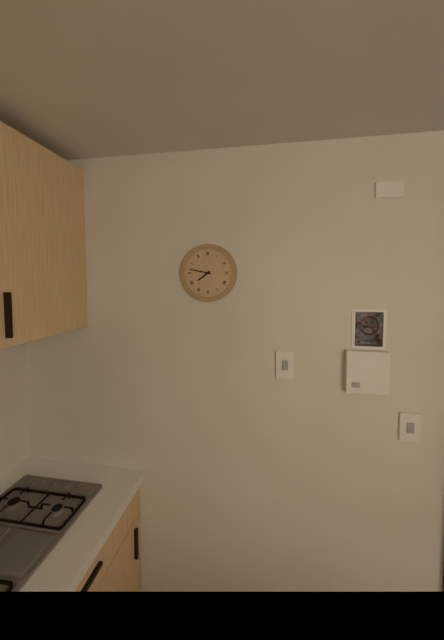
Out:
7 h 47 min
